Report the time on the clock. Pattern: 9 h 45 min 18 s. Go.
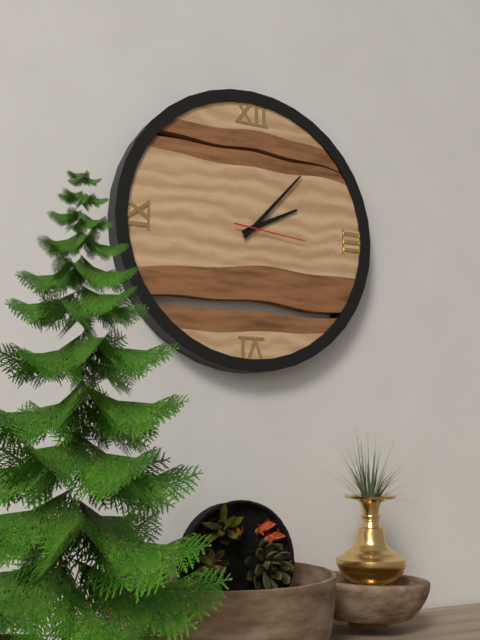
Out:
2 h 07 min 16 s
